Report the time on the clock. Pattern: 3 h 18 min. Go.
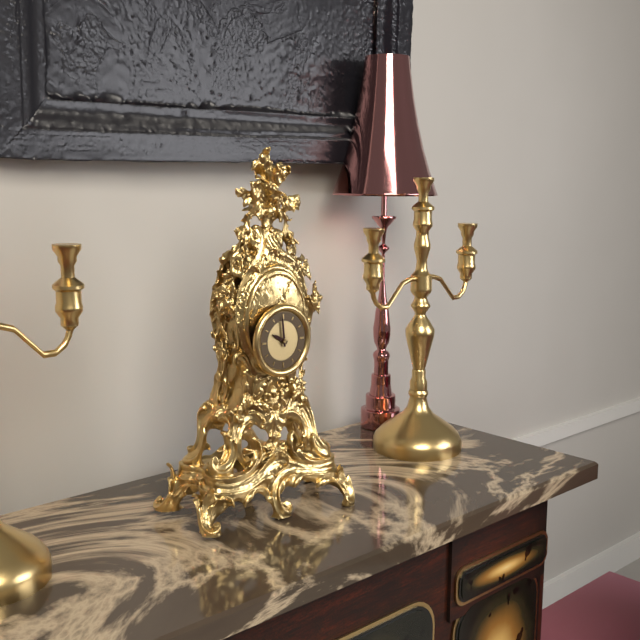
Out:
9 h 59 min
